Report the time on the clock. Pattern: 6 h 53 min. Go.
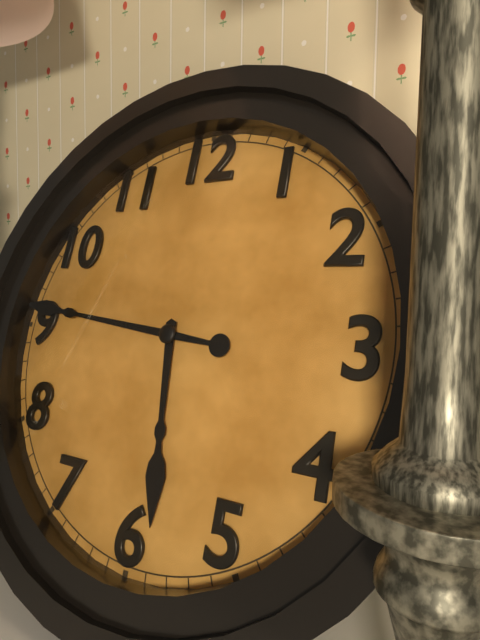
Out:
5 h 46 min
